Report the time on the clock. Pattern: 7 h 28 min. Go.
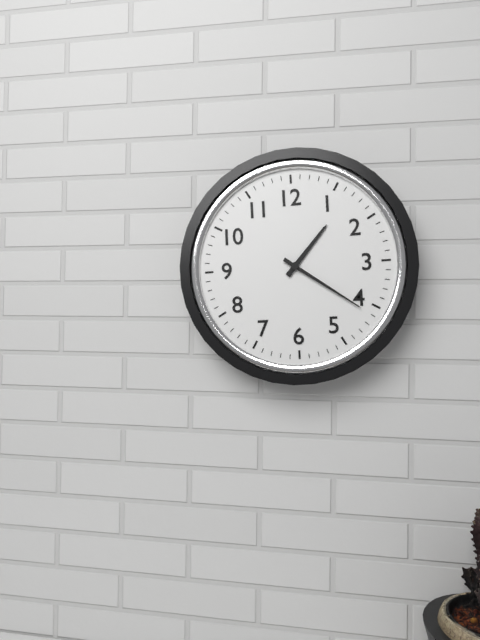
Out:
1 h 21 min
